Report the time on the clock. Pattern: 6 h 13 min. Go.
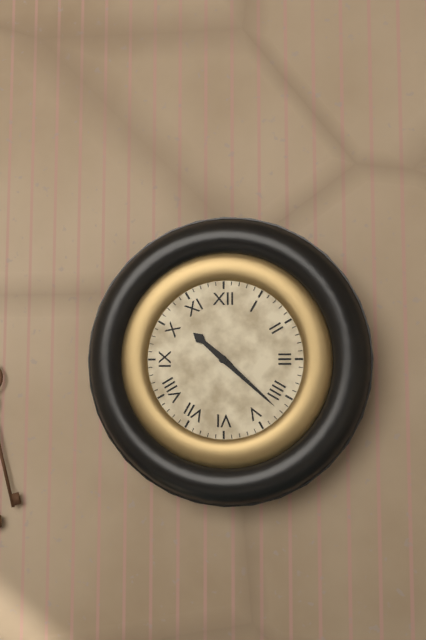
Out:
10 h 22 min
